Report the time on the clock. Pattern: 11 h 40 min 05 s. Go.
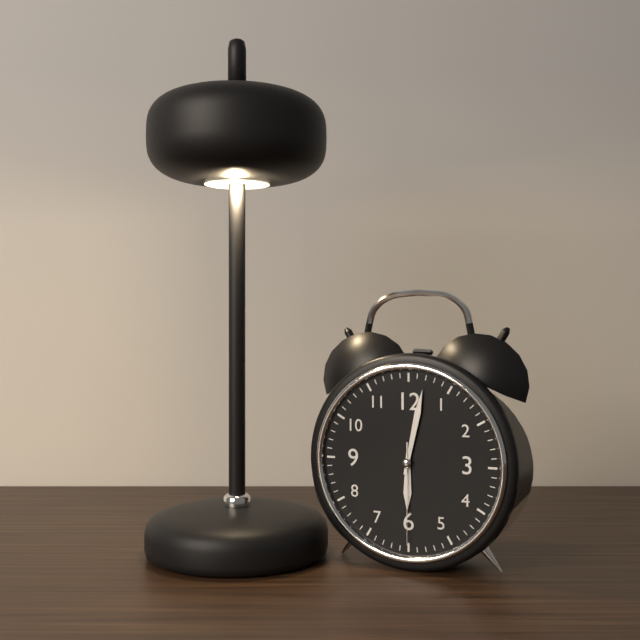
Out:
6 h 02 min 30 s
